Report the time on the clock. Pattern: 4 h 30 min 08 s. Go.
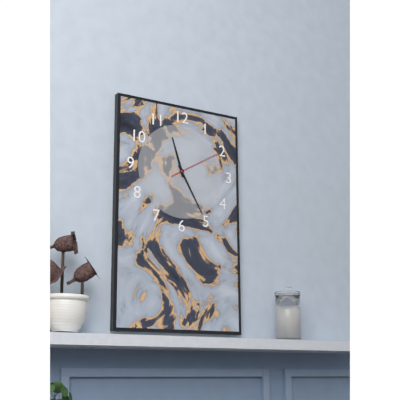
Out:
11 h 25 min 10 s
